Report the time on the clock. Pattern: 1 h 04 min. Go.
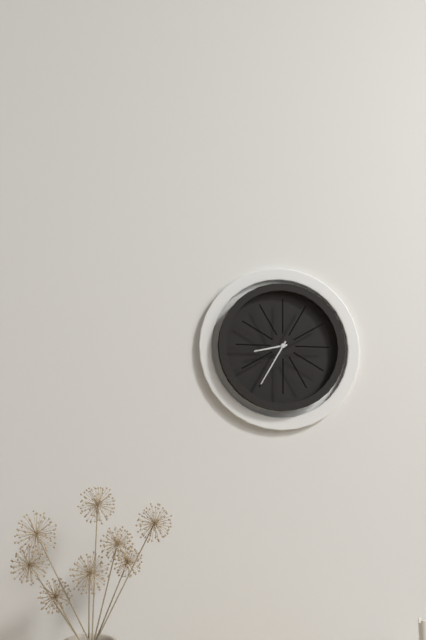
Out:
8 h 35 min
